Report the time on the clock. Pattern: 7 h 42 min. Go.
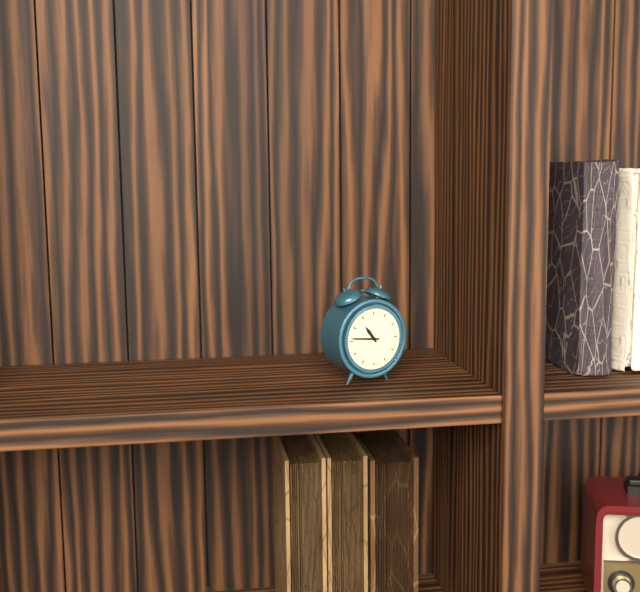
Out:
10 h 46 min
